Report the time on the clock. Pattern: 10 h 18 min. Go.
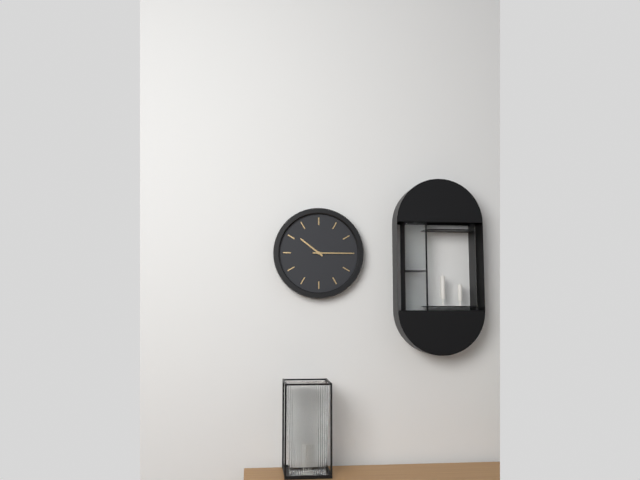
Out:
10 h 15 min
